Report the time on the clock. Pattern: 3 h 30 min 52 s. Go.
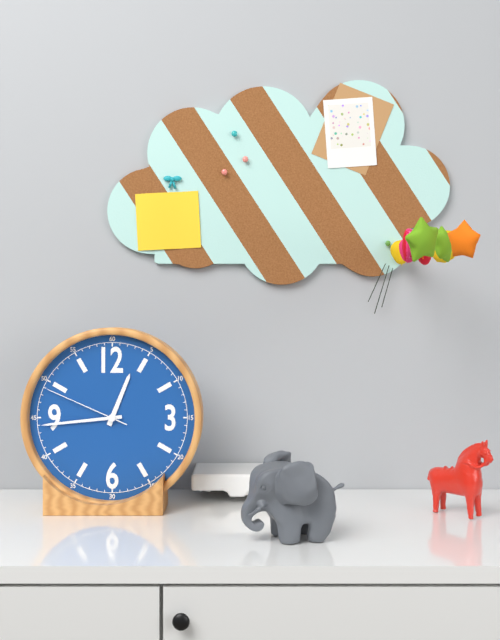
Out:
12 h 44 min 49 s
